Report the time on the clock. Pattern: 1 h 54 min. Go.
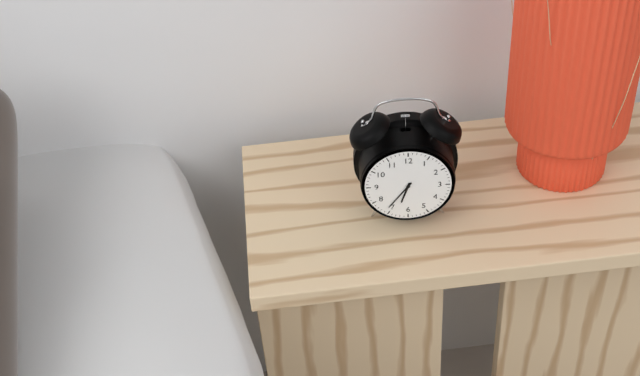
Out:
6 h 36 min
